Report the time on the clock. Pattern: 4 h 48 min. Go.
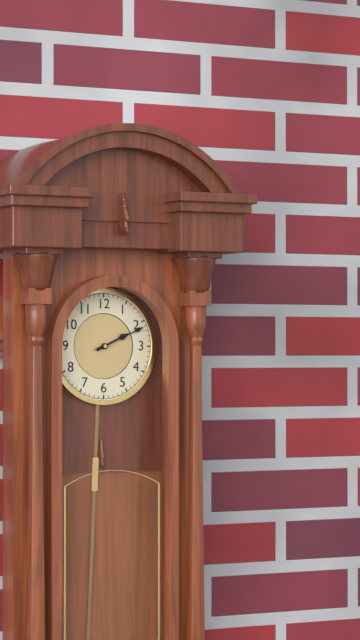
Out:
2 h 11 min
